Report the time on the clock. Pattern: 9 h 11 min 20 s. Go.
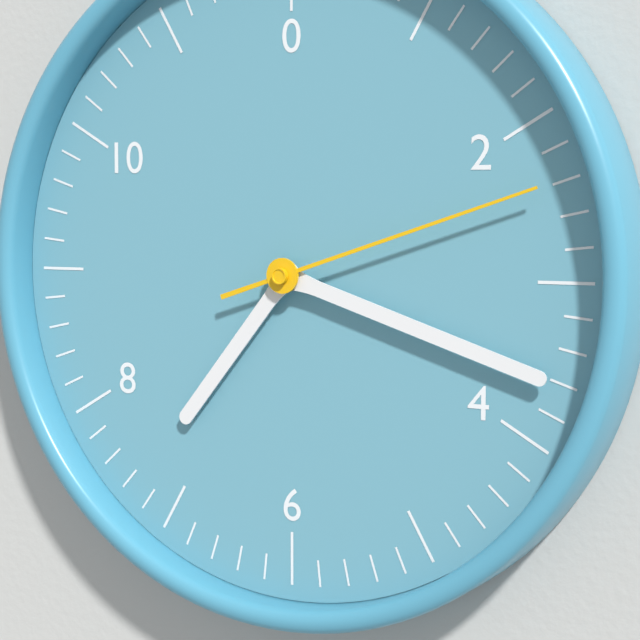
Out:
7 h 18 min 12 s
